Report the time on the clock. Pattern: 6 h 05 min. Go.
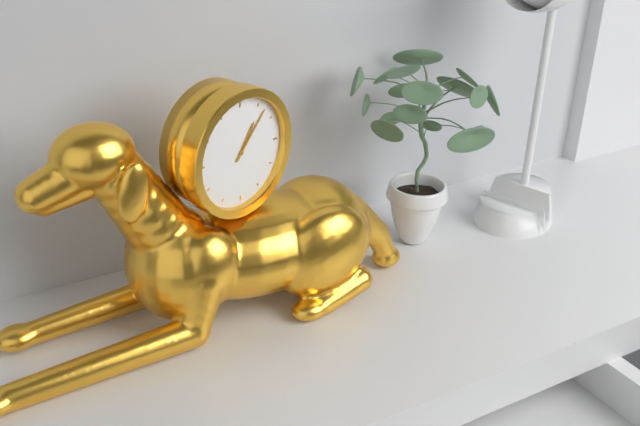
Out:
1 h 07 min
